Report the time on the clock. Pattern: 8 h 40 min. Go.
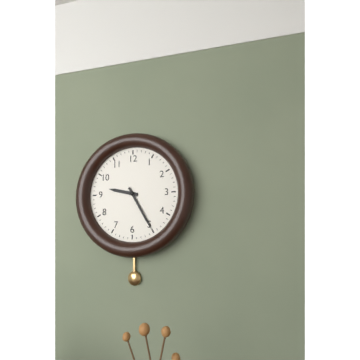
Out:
9 h 25 min
